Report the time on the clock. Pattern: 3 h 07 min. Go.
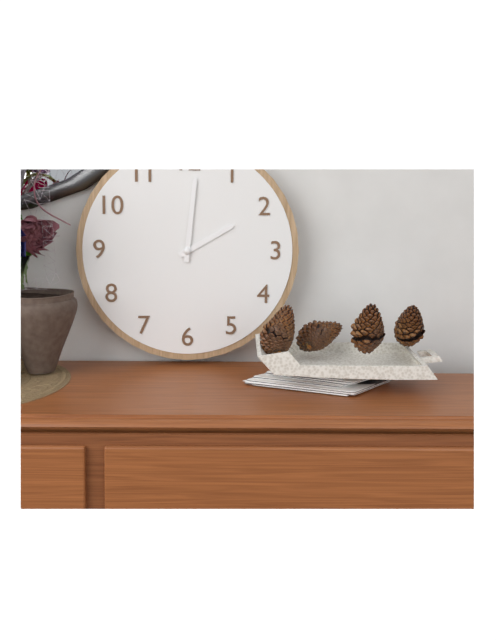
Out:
2 h 01 min
